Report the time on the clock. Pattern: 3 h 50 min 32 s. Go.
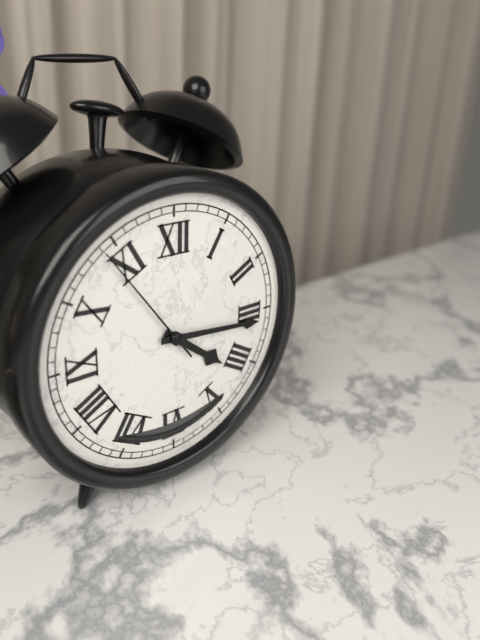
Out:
4 h 16 min 54 s
